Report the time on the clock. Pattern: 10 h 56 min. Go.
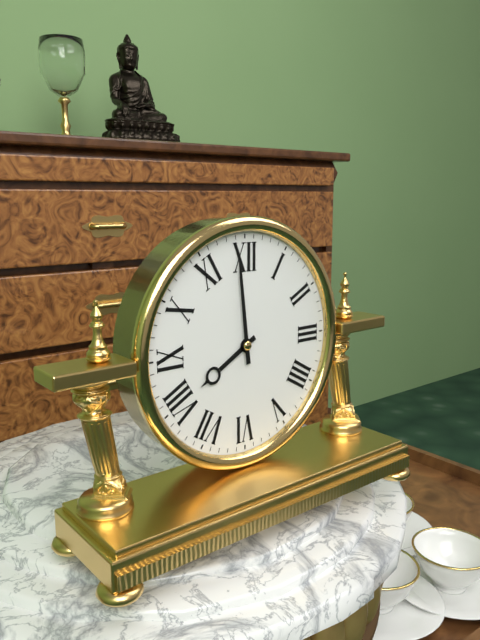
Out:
7 h 59 min
